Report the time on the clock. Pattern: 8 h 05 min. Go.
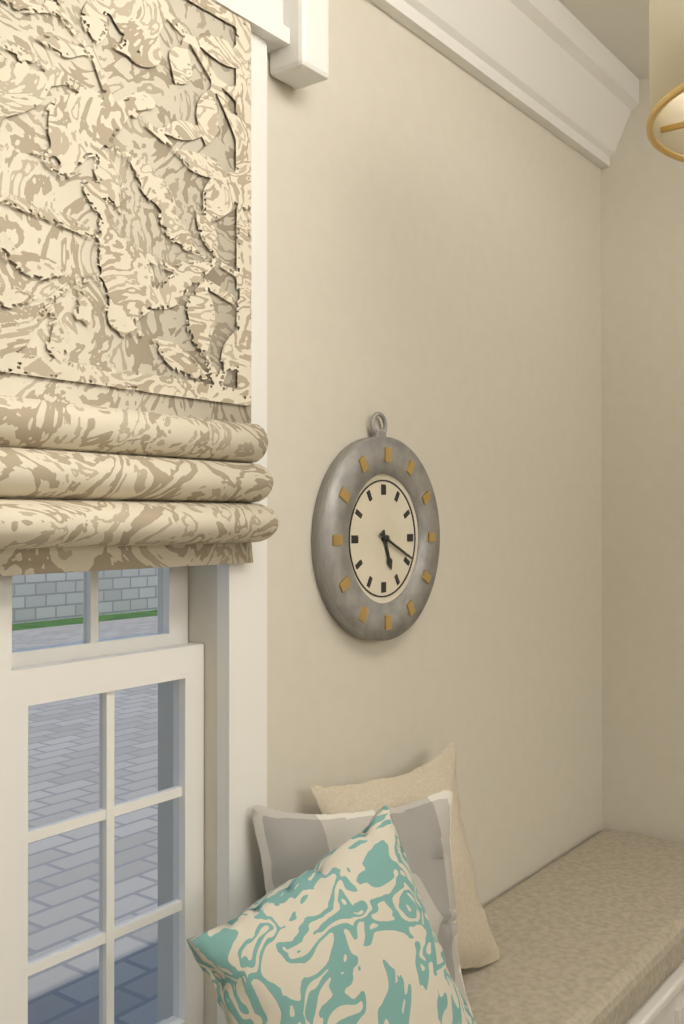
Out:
5 h 19 min
